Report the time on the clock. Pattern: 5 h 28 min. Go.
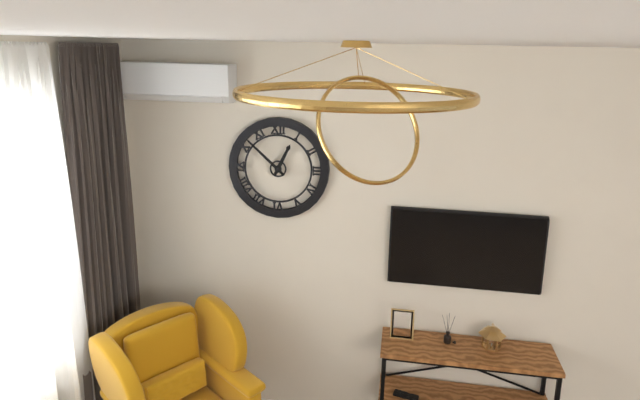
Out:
12 h 52 min
